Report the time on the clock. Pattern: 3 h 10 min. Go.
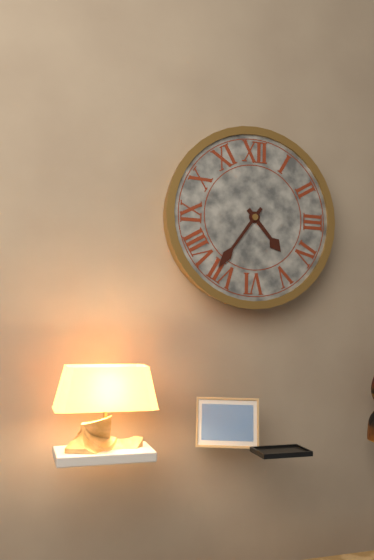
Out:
4 h 36 min
